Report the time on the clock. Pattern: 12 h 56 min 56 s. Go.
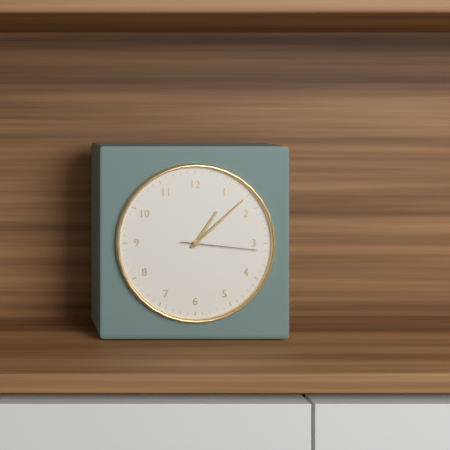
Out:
1 h 08 min 16 s
